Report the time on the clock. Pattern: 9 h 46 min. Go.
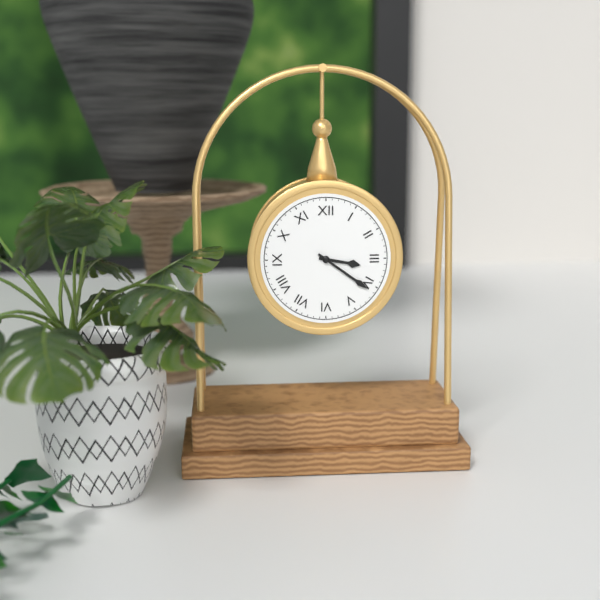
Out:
3 h 21 min
